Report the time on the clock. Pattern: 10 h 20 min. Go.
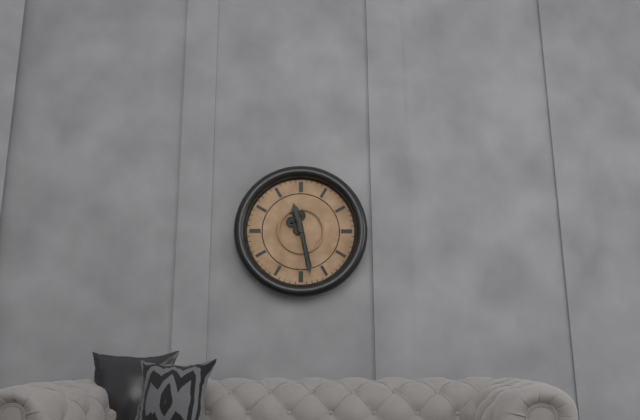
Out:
11 h 28 min
